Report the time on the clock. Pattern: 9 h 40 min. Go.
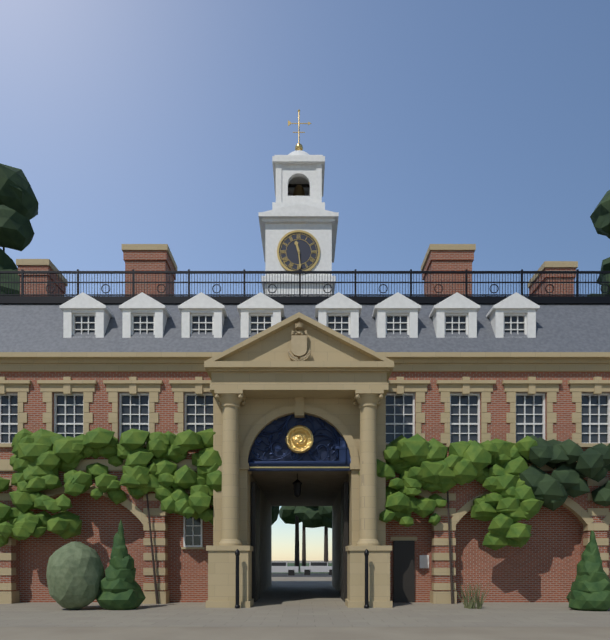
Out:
11 h 29 min
